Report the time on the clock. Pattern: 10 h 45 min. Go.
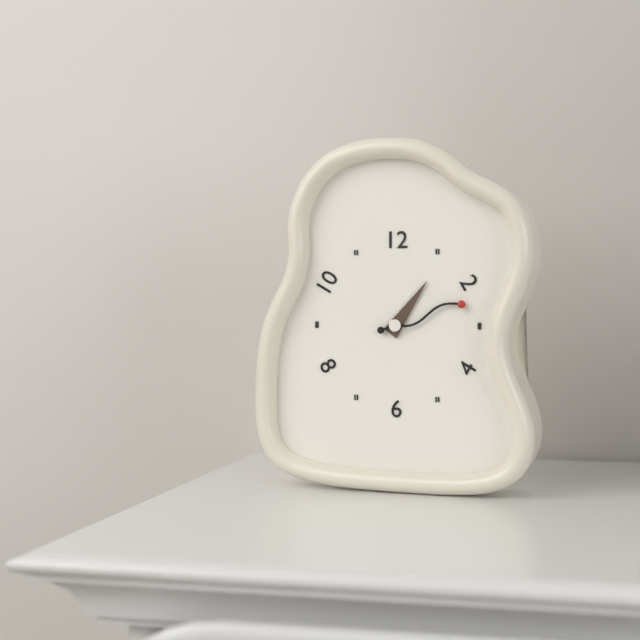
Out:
1 h 12 min
